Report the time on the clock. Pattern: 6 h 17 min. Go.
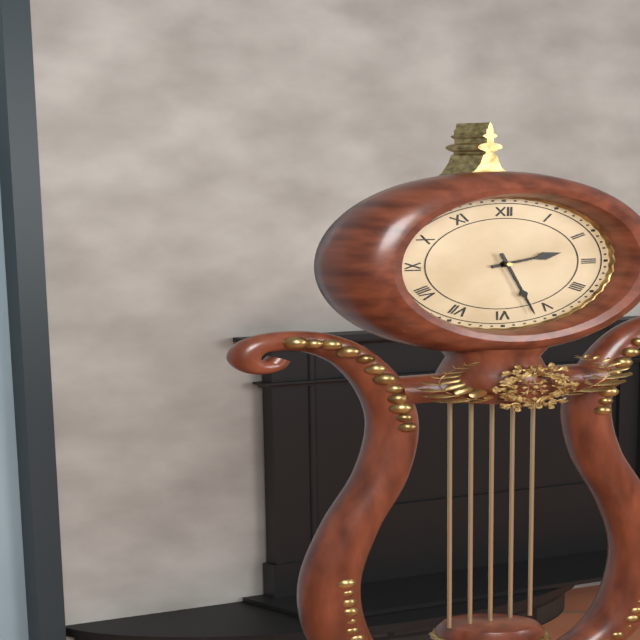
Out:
2 h 27 min
